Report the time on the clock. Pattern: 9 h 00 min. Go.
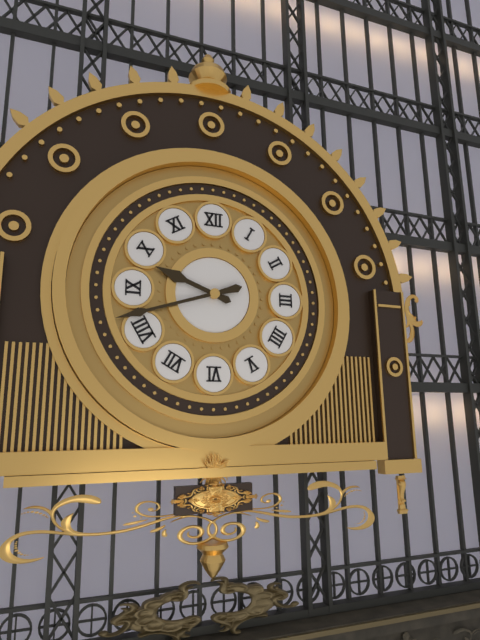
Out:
9 h 42 min
